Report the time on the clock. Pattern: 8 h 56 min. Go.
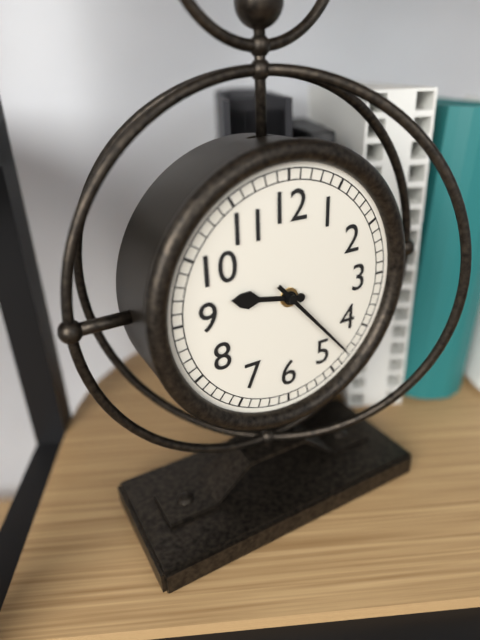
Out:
9 h 23 min
